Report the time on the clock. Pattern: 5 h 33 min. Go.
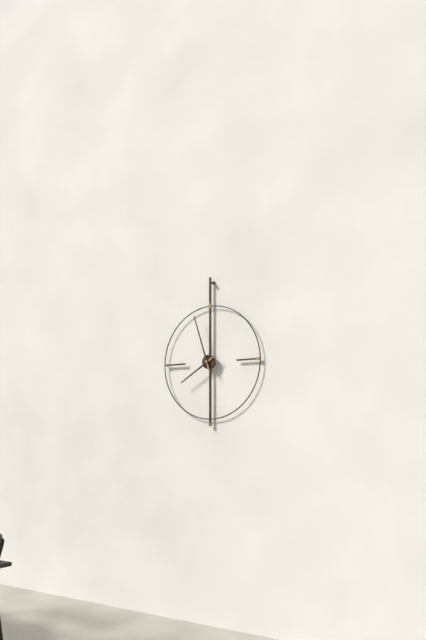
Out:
7 h 57 min
